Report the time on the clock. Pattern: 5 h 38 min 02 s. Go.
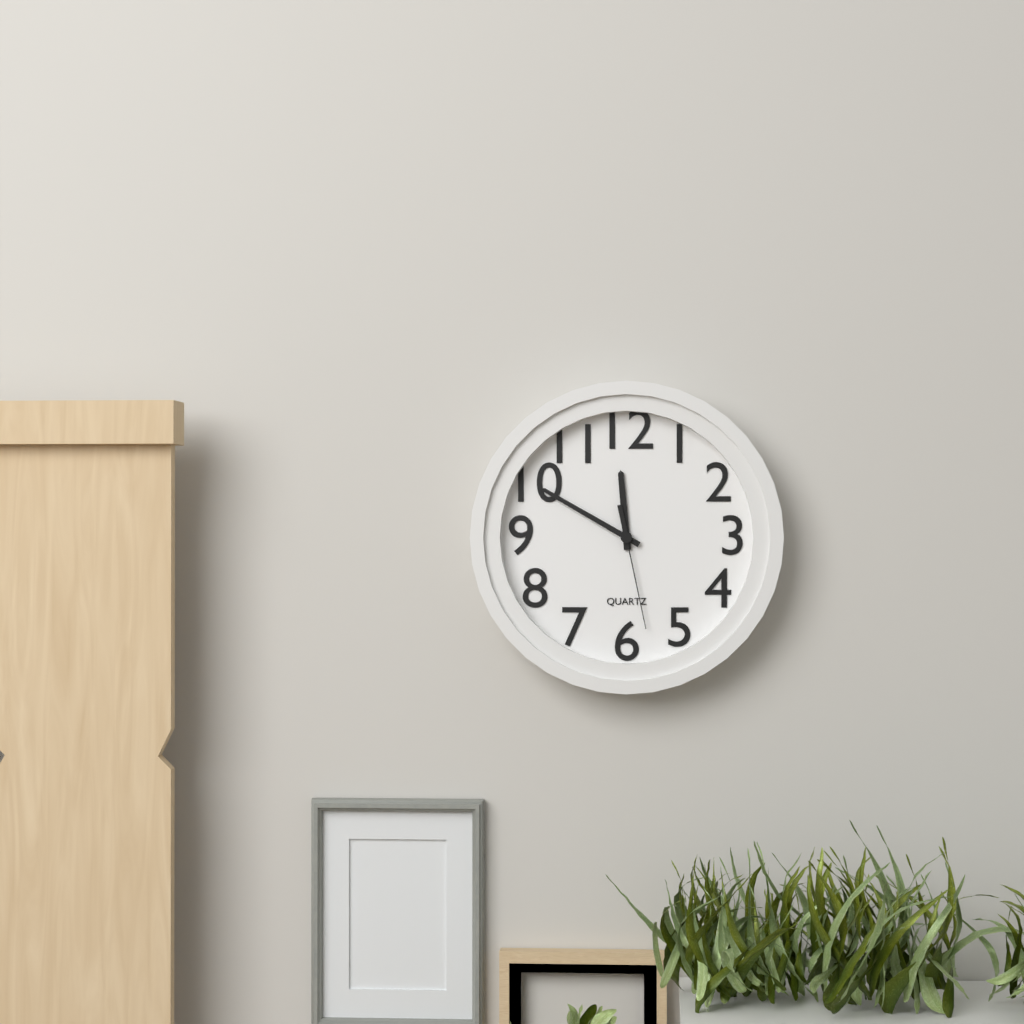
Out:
11 h 50 min 28 s
